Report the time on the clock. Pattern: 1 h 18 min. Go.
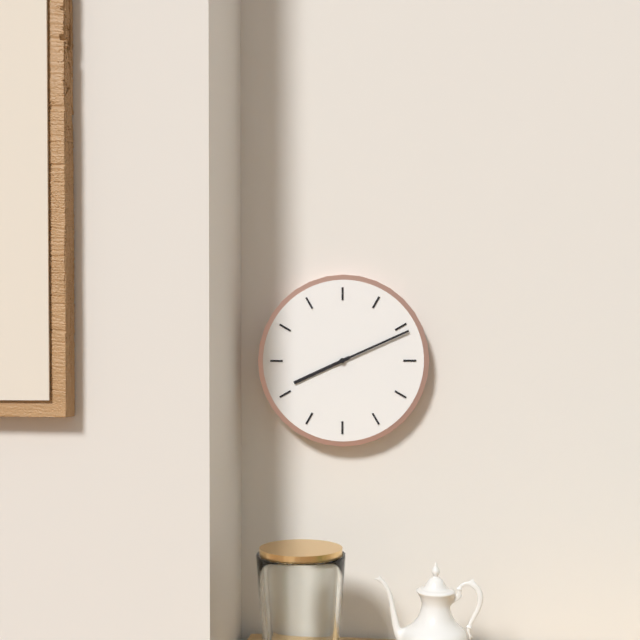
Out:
8 h 11 min
